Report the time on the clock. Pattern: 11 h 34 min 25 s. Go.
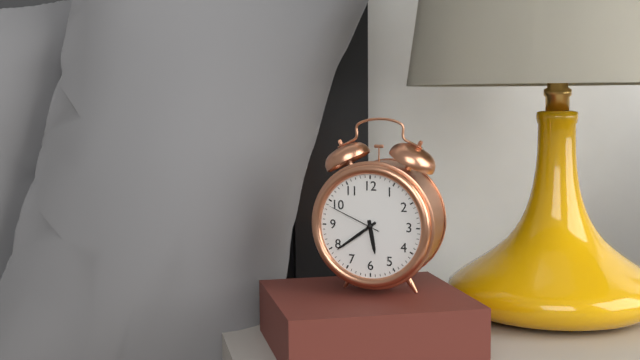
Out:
5 h 39 min 49 s
